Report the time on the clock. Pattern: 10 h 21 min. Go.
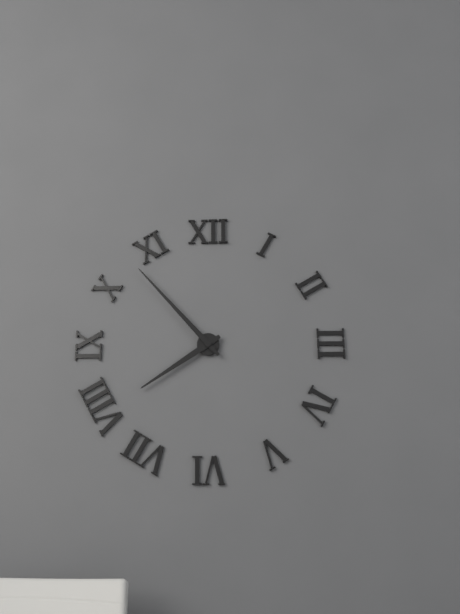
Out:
7 h 53 min
